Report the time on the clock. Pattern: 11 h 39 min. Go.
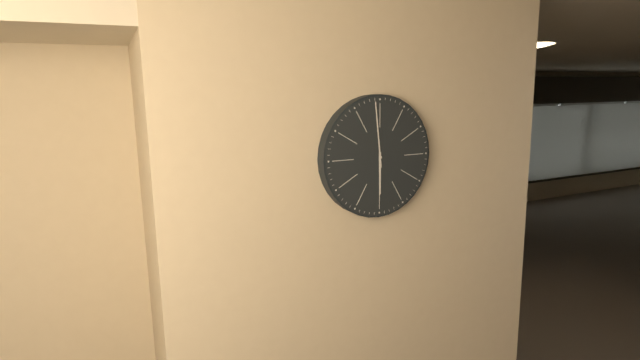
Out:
5 h 59 min
